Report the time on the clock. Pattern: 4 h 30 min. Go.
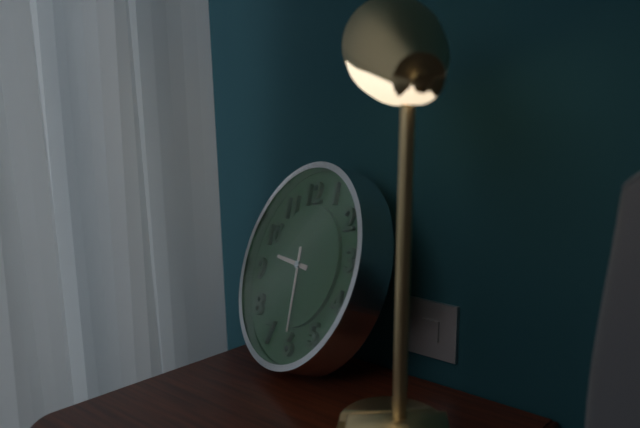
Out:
9 h 30 min
